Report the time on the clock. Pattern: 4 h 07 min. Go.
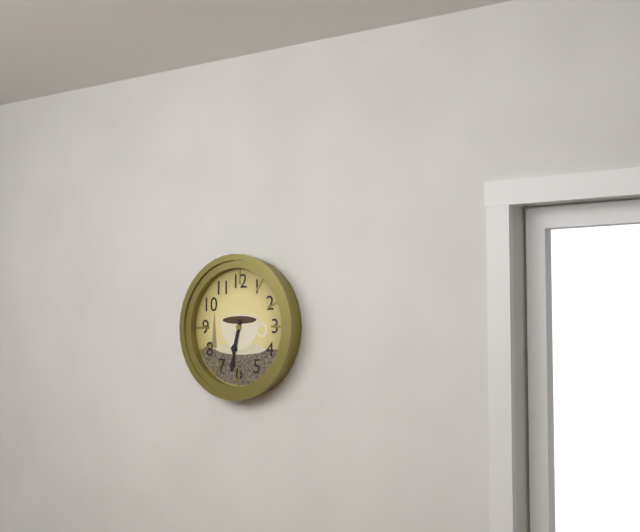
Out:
6 h 32 min
